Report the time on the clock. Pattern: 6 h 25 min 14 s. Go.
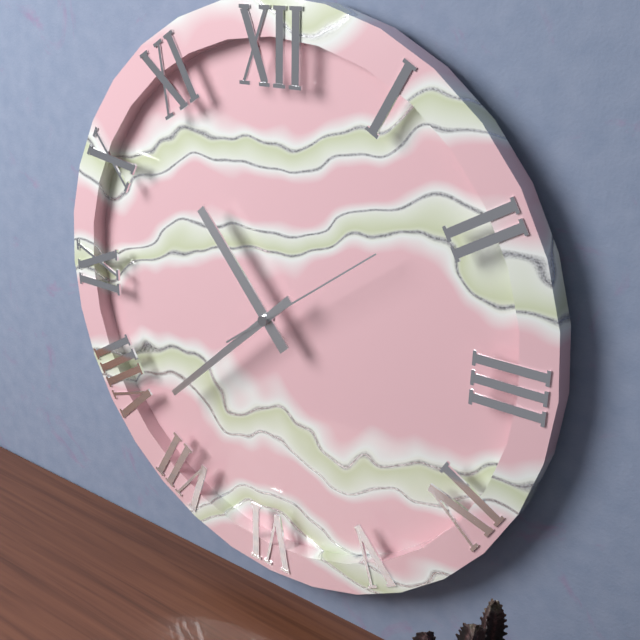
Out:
10 h 38 min 09 s
